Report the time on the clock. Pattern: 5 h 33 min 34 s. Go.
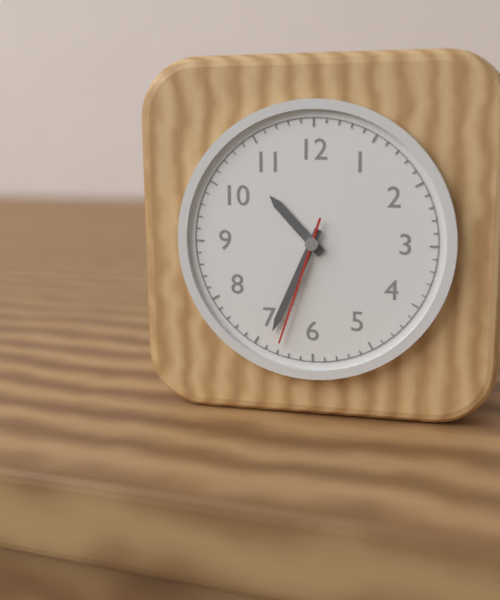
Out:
10 h 34 min 33 s
